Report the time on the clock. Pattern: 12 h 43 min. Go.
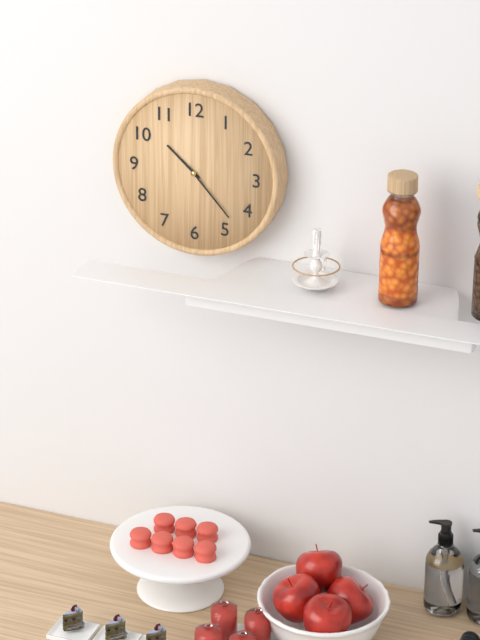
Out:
10 h 23 min
